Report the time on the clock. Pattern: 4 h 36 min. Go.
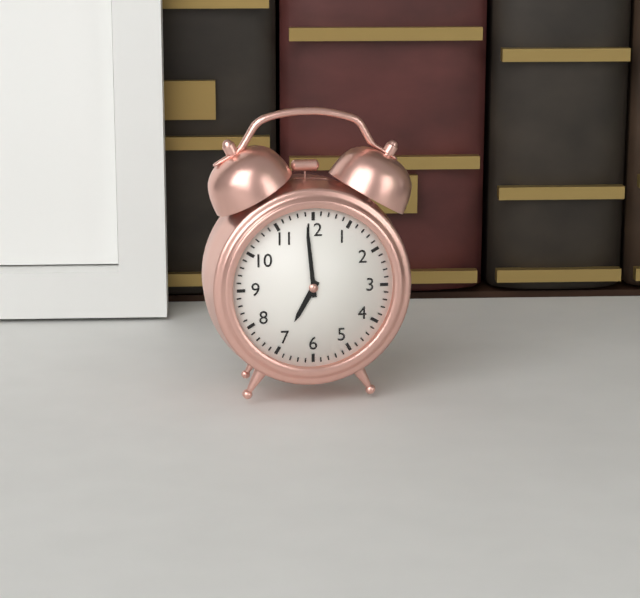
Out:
6 h 59 min
